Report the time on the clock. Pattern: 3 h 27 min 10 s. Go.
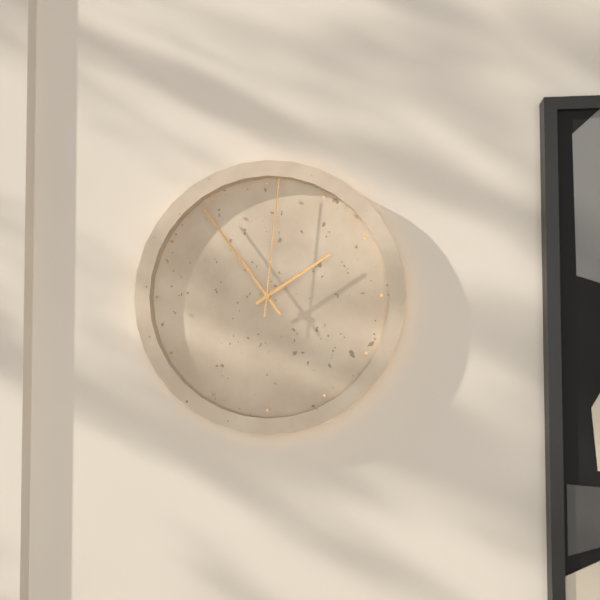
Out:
1 h 54 min 01 s
